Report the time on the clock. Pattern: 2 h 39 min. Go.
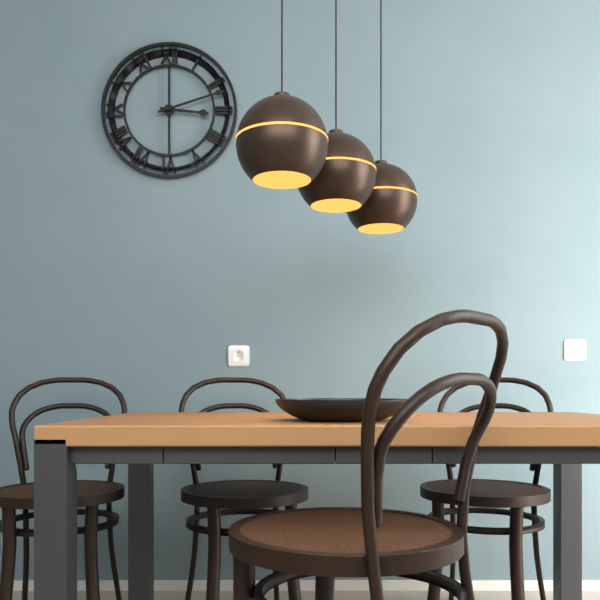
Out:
3 h 12 min
